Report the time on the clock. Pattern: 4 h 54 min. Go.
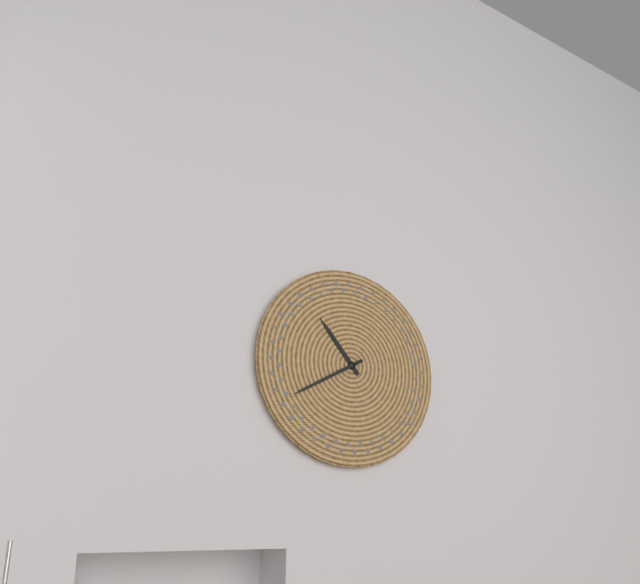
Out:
10 h 40 min
